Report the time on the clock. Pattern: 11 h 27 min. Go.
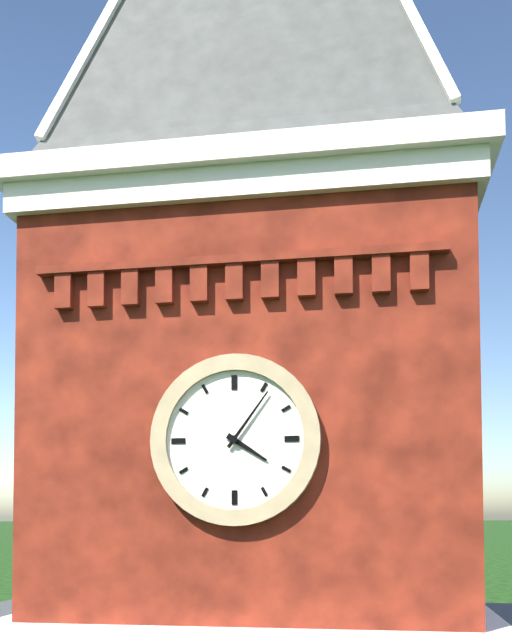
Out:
4 h 06 min
